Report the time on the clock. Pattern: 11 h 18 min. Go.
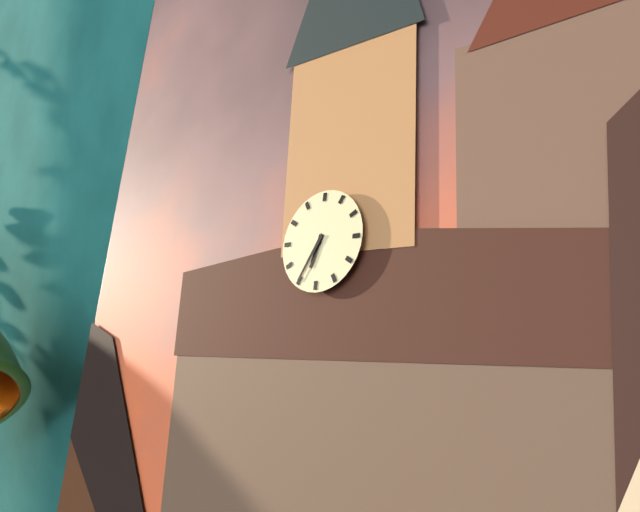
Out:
6 h 35 min
